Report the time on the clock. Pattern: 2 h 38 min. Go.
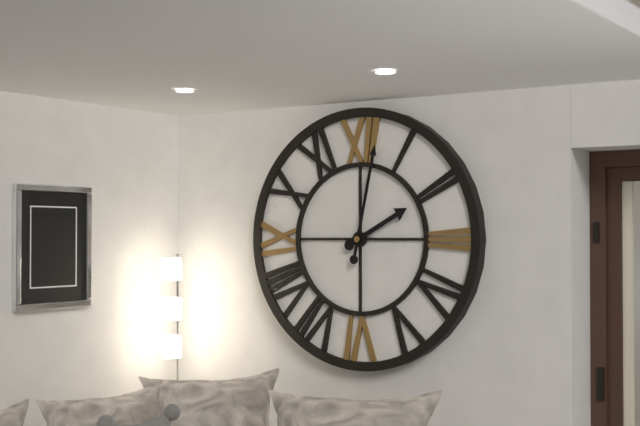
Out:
2 h 02 min
